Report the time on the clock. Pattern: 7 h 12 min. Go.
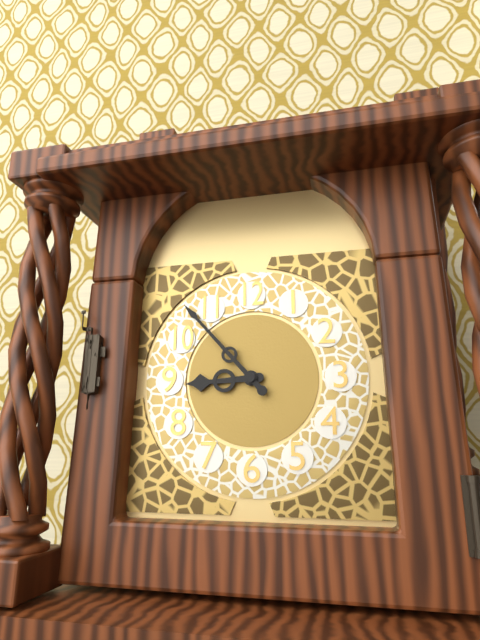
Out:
8 h 53 min
